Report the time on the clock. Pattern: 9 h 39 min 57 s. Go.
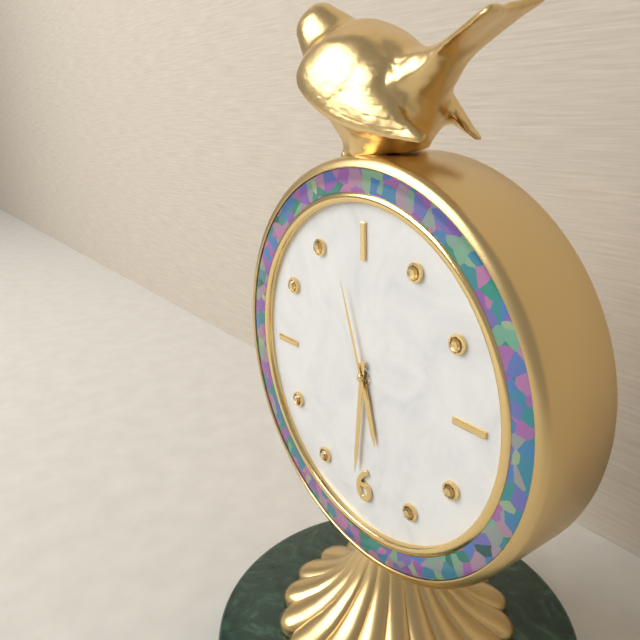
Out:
5 h 31 min 57 s
